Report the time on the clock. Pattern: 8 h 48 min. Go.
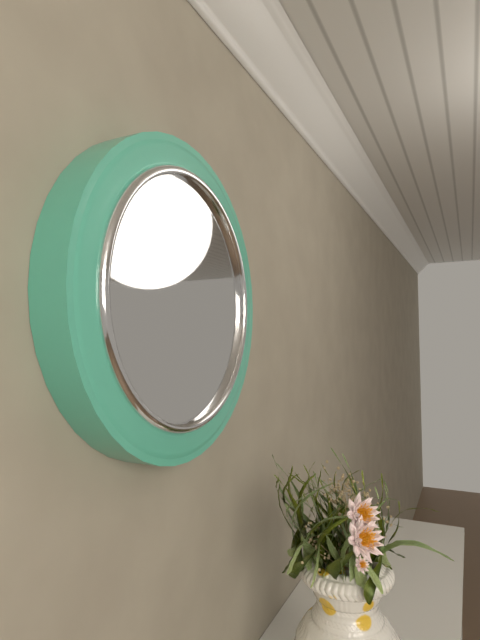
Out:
11 h 57 min
